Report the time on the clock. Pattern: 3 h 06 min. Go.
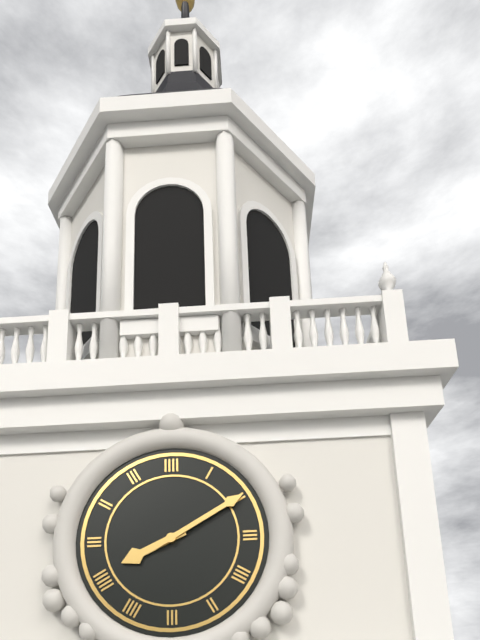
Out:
8 h 10 min
